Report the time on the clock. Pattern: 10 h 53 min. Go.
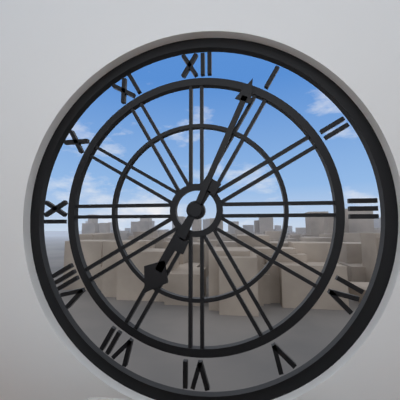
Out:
7 h 04 min
